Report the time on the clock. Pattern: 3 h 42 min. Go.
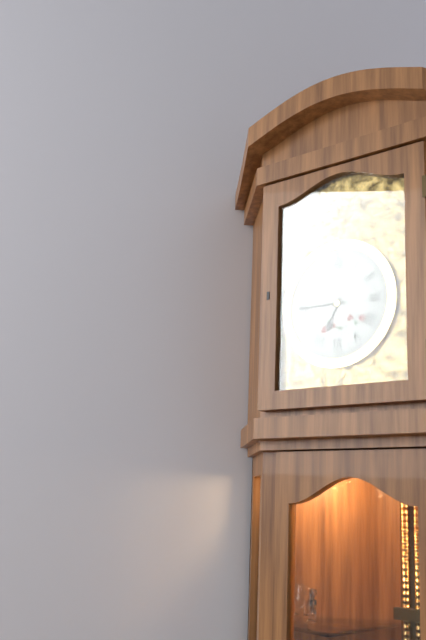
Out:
6 h 45 min
